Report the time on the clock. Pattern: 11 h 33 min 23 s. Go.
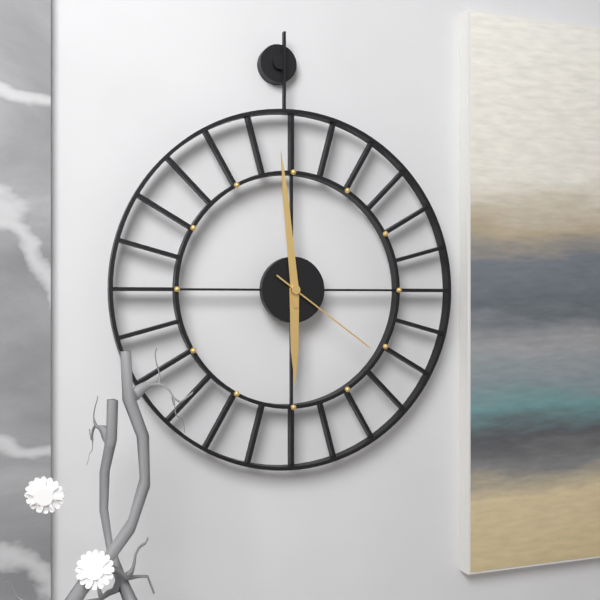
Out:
5 h 59 min 21 s
